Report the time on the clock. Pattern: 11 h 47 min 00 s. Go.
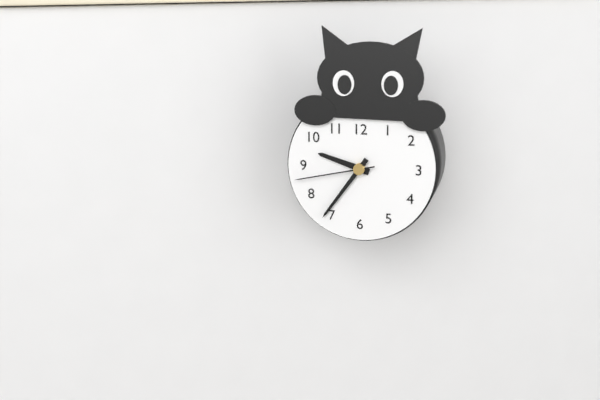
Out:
9 h 36 min 43 s
